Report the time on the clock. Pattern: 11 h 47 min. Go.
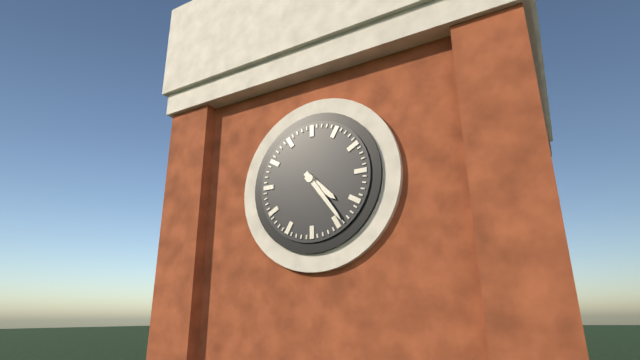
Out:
4 h 24 min
